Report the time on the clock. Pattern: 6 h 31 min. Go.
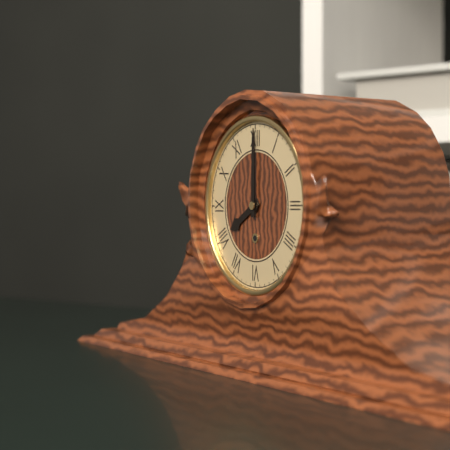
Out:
8 h 00 min
